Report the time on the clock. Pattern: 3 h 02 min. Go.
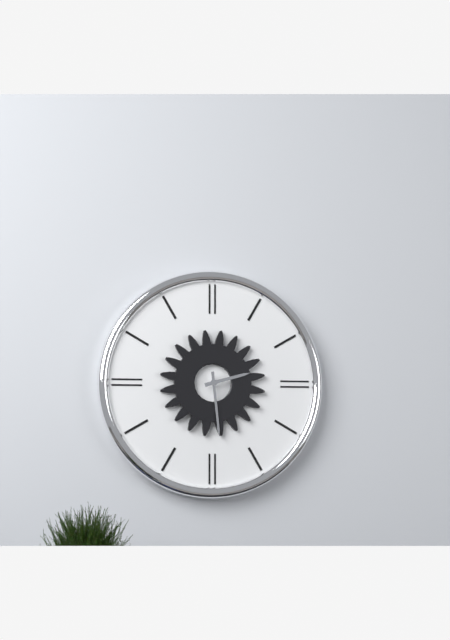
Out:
2 h 29 min
